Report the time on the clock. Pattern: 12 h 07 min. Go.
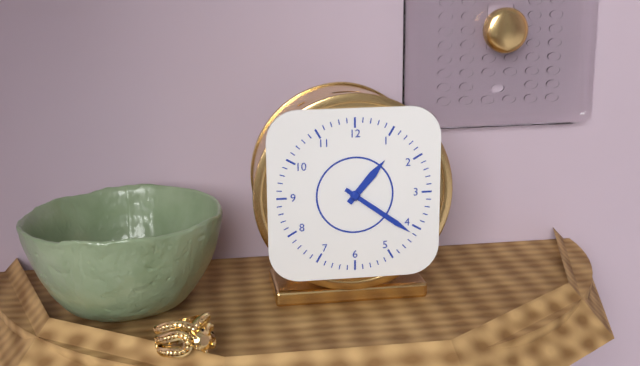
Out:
1 h 21 min
